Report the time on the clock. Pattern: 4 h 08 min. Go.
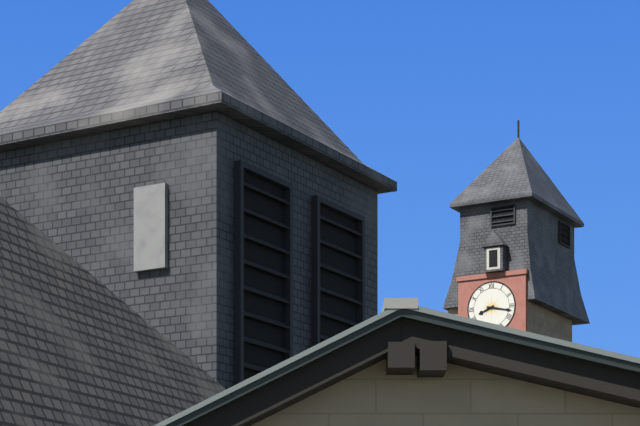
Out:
8 h 17 min
